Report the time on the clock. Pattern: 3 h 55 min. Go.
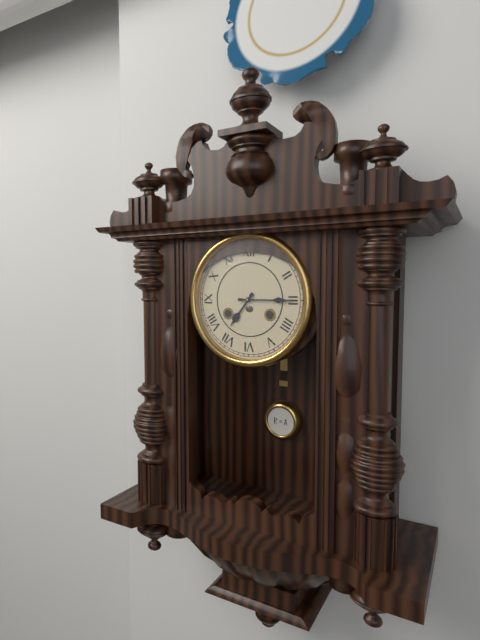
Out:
7 h 15 min
